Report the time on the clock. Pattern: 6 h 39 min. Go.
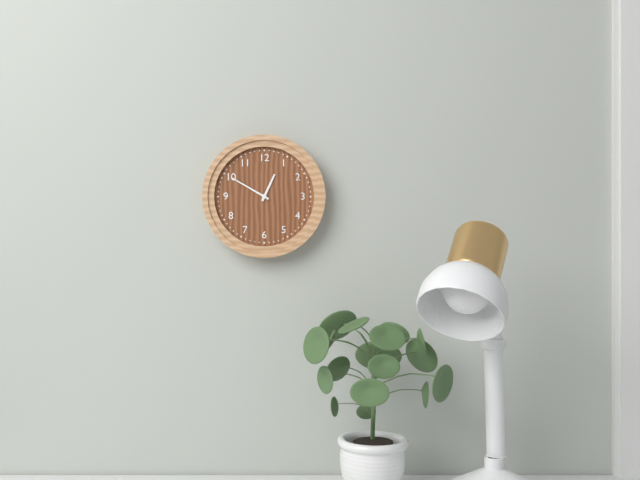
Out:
12 h 50 min
